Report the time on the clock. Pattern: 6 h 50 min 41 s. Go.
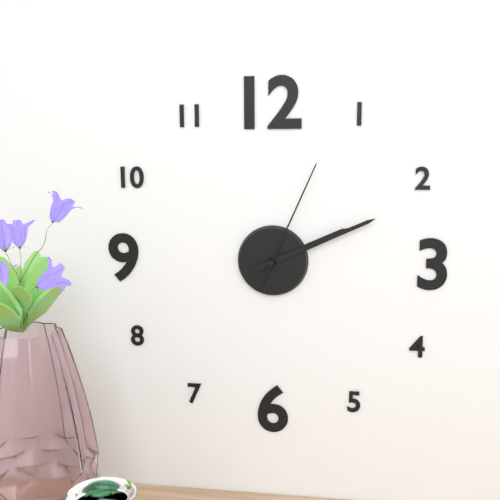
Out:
2 h 11 min 04 s
